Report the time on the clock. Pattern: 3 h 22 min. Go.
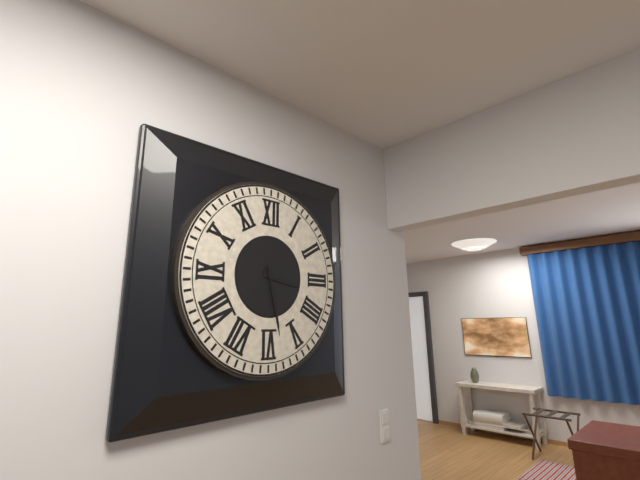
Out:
3 h 28 min
